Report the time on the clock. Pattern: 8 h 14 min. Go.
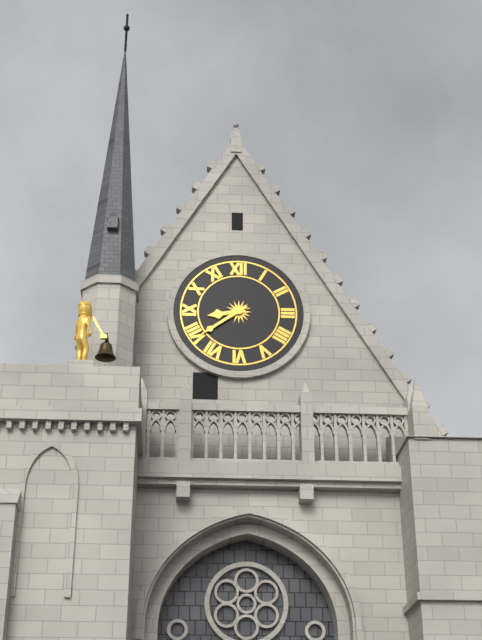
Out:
8 h 39 min
